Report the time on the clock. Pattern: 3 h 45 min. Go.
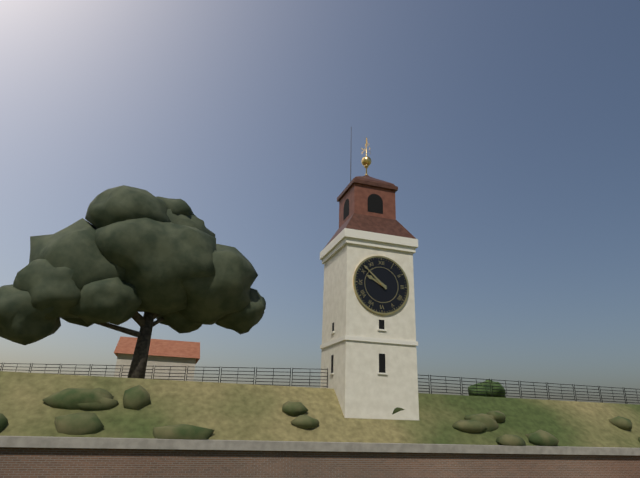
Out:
9 h 52 min
